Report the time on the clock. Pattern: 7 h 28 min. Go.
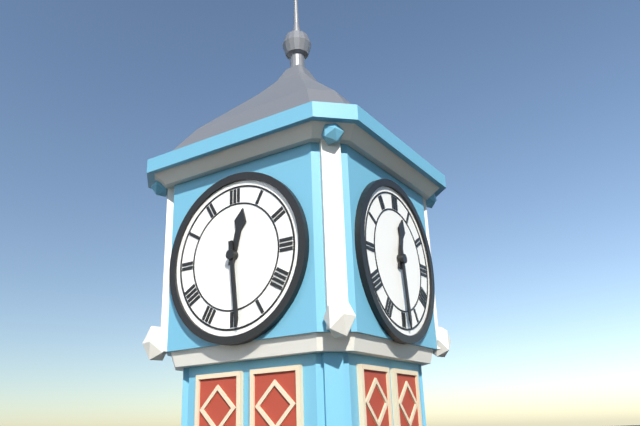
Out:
12 h 29 min
